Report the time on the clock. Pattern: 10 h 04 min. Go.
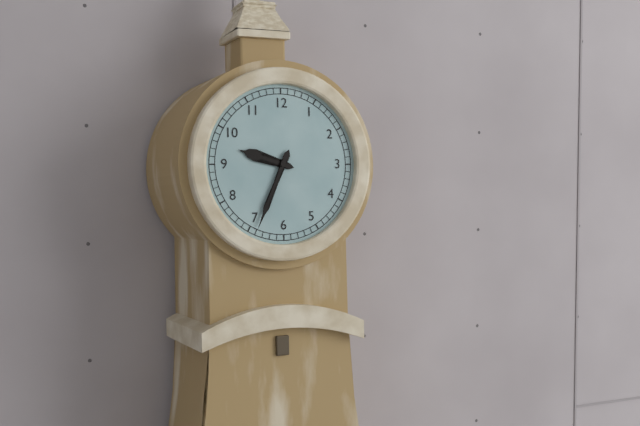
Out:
9 h 34 min
